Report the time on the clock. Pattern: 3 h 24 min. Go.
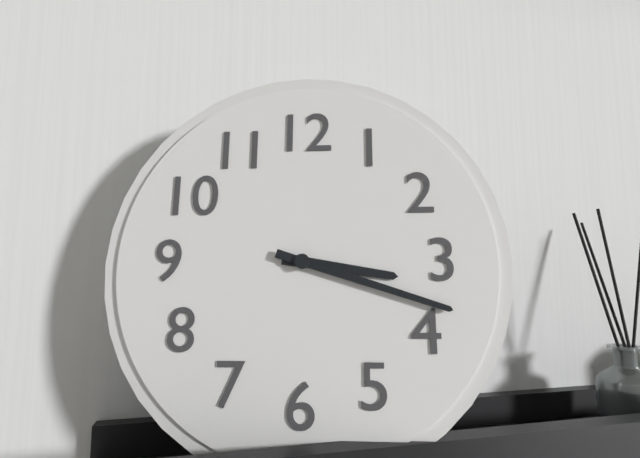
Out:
3 h 18 min
